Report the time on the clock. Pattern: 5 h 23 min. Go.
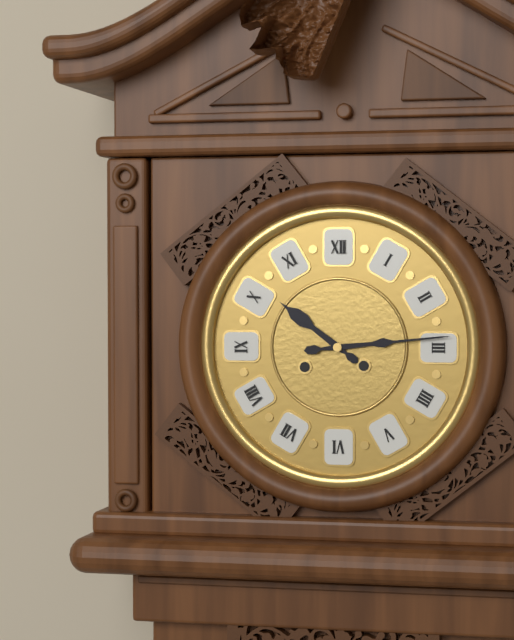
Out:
10 h 14 min
